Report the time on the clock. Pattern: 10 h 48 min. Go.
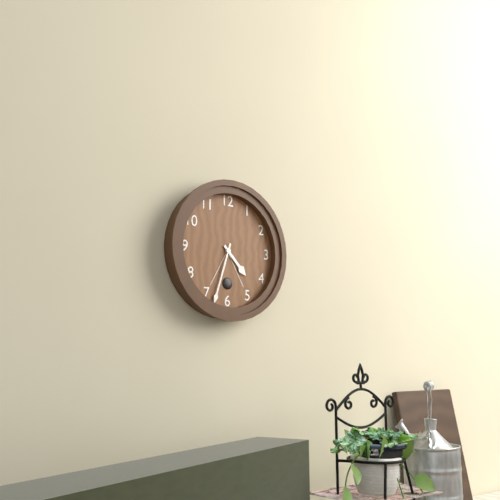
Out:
4 h 33 min
